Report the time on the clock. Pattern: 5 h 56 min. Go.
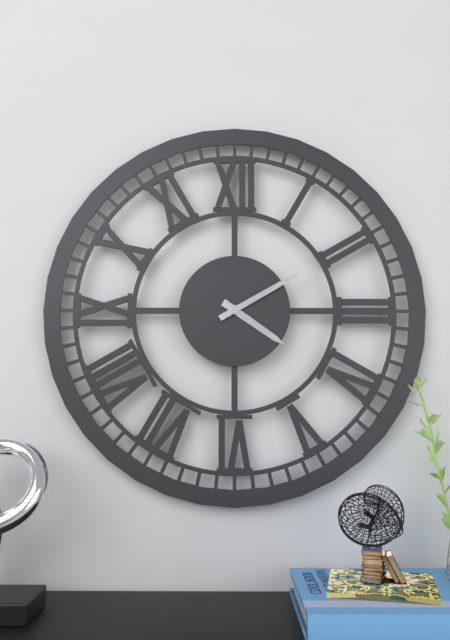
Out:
4 h 10 min
